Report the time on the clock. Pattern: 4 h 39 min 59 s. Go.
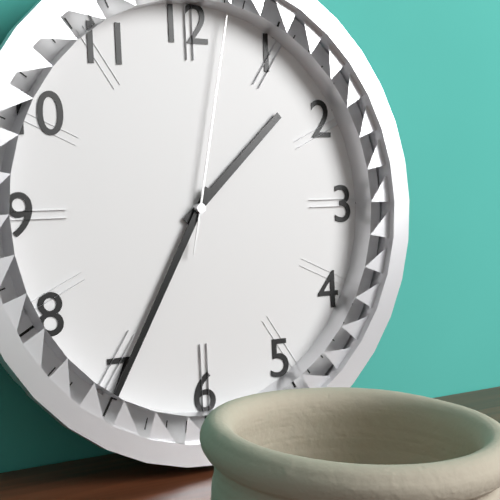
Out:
1 h 35 min 02 s
